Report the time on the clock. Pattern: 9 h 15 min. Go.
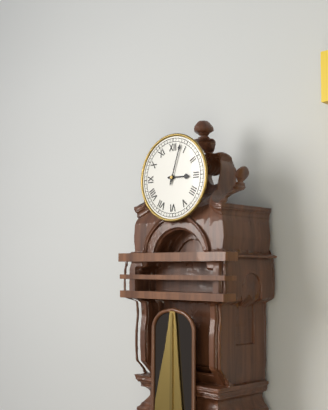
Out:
3 h 03 min
